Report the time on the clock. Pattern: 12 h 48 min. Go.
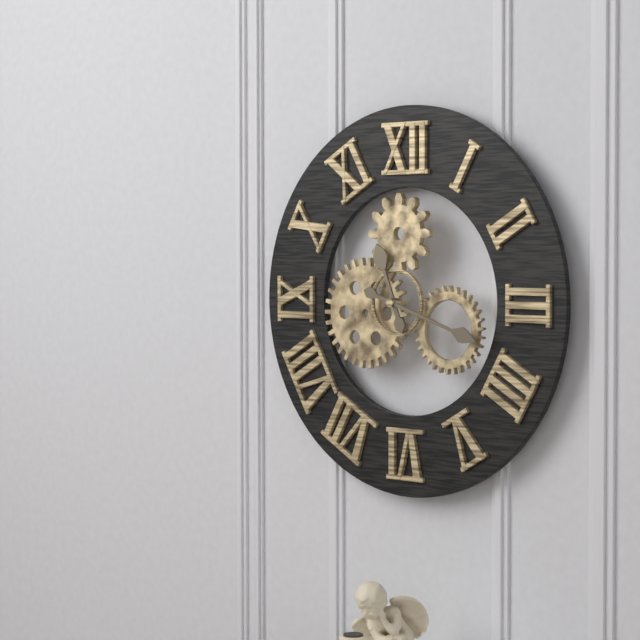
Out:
11 h 18 min
